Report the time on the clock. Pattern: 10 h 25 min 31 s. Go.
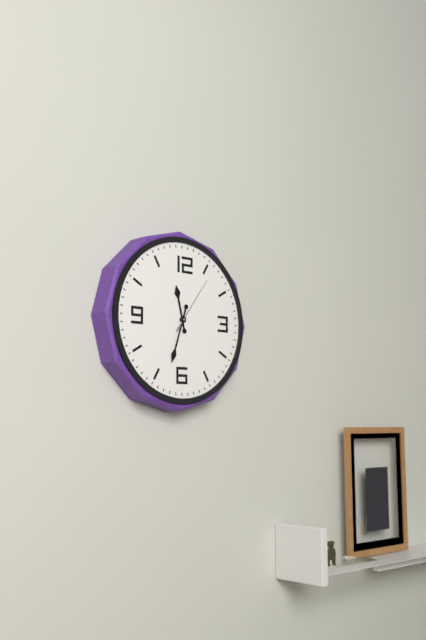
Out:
11 h 33 min 06 s
